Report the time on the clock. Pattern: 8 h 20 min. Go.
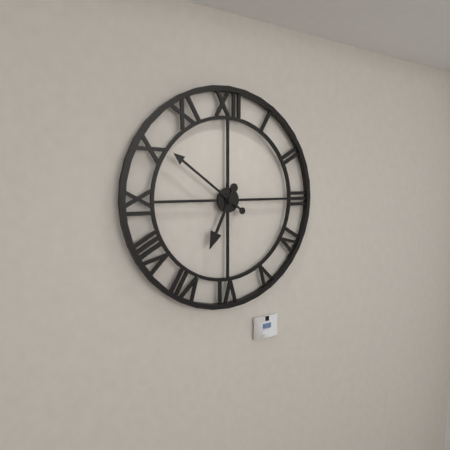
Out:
6 h 51 min
